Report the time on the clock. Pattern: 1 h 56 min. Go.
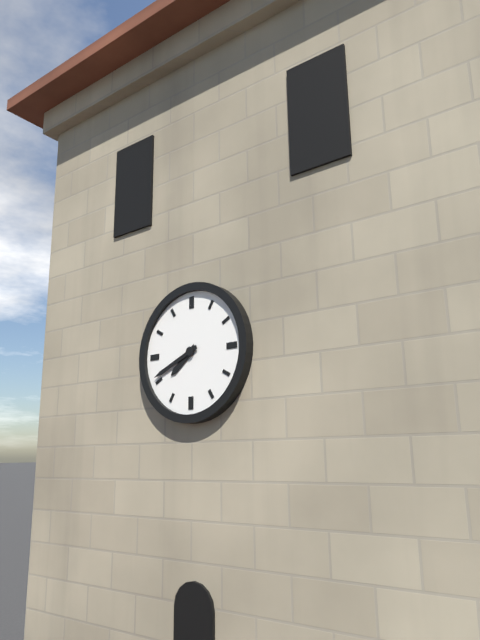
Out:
7 h 41 min
